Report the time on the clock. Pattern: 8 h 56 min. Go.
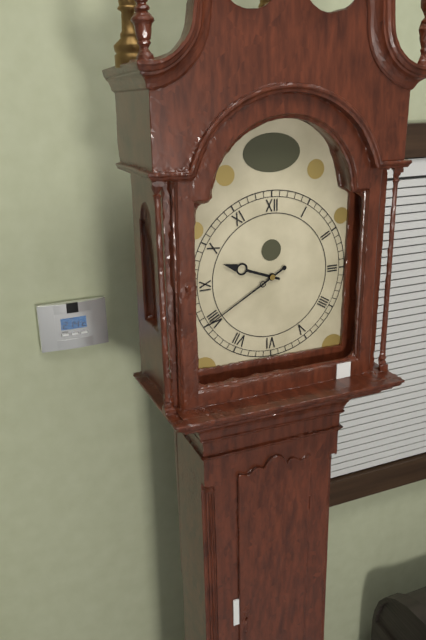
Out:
9 h 40 min
